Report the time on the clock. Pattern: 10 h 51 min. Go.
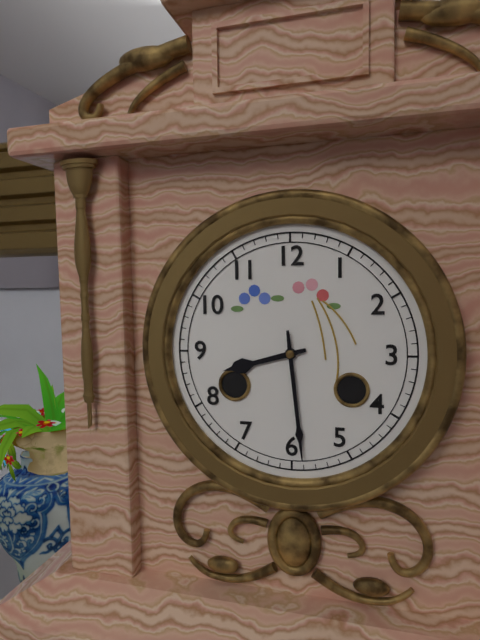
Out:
8 h 29 min
